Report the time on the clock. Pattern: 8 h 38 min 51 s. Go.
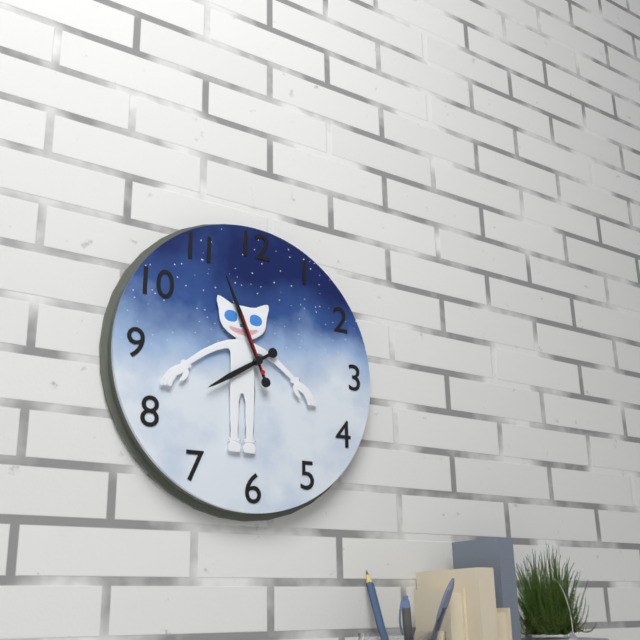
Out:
7 h 56 min 56 s
